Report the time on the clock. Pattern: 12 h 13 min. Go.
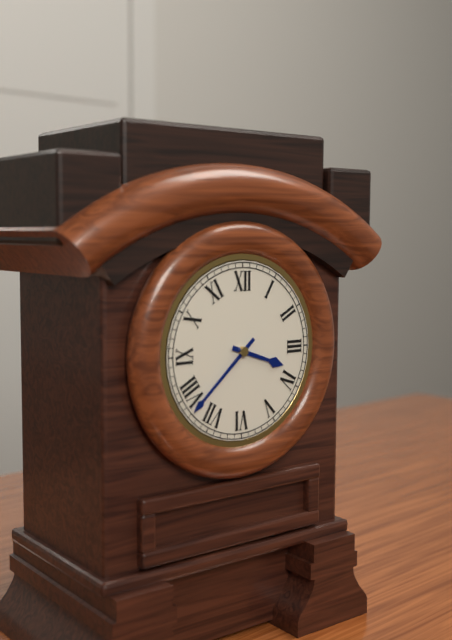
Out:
3 h 38 min
